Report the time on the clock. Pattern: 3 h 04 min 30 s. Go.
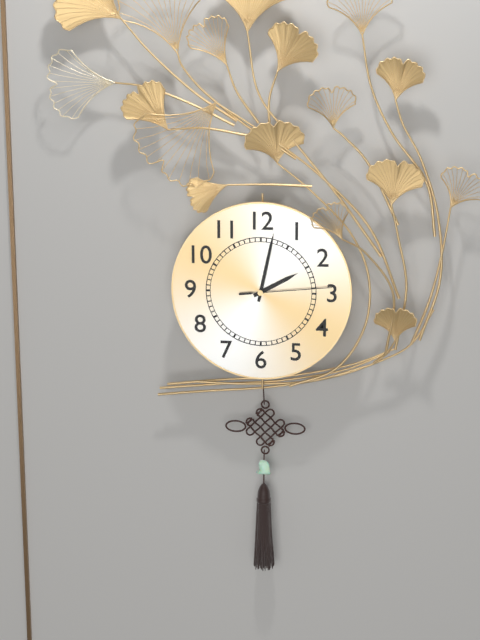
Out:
2 h 02 min 14 s
